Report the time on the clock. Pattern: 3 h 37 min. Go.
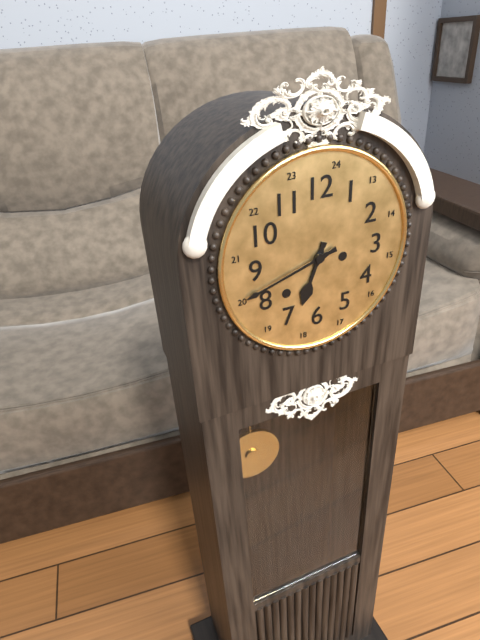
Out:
6 h 42 min
